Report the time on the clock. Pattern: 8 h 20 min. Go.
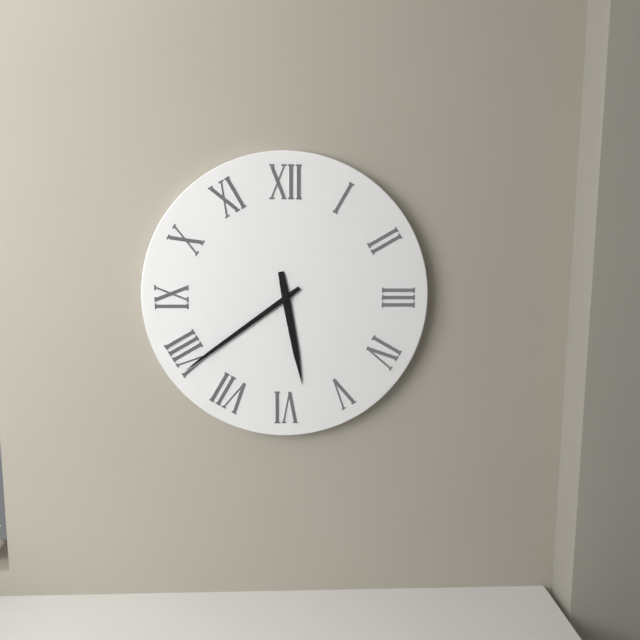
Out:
5 h 39 min
